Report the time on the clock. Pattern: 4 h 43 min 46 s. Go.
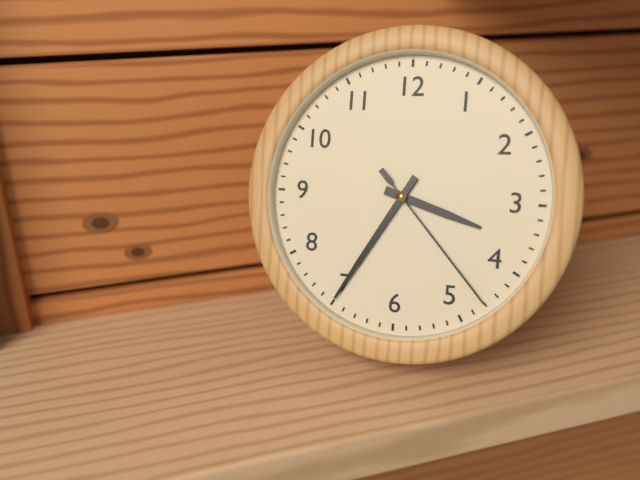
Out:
3 h 35 min 23 s
